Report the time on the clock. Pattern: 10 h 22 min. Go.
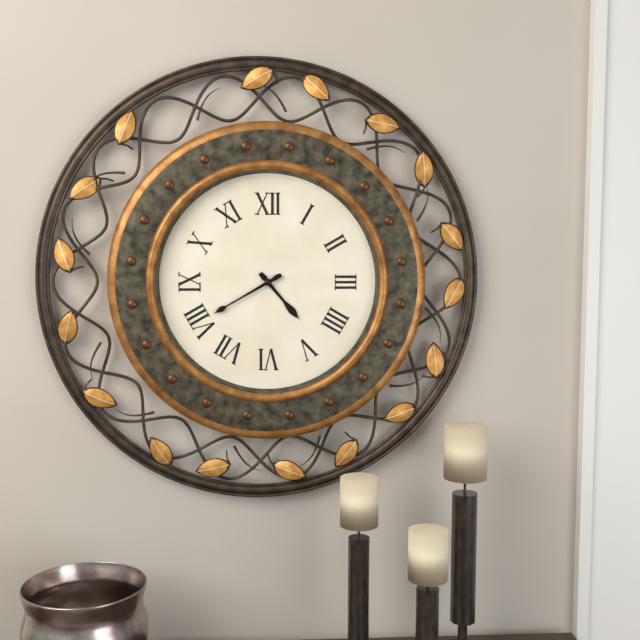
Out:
4 h 40 min
